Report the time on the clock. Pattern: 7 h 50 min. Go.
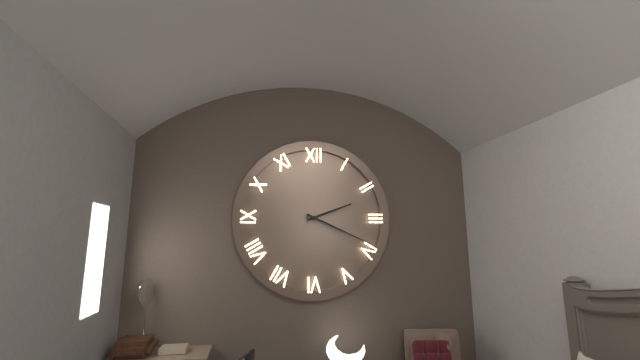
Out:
2 h 19 min
